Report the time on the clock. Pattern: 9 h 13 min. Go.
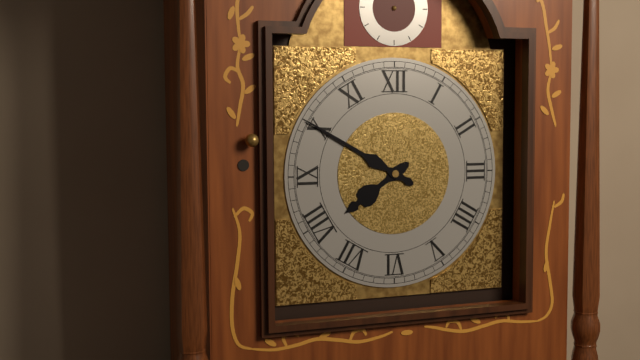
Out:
7 h 50 min
